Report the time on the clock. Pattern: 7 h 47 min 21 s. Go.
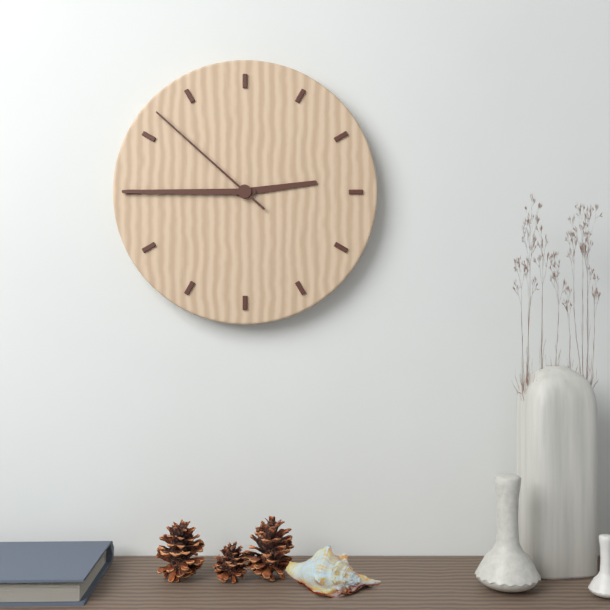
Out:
2 h 45 min 52 s
